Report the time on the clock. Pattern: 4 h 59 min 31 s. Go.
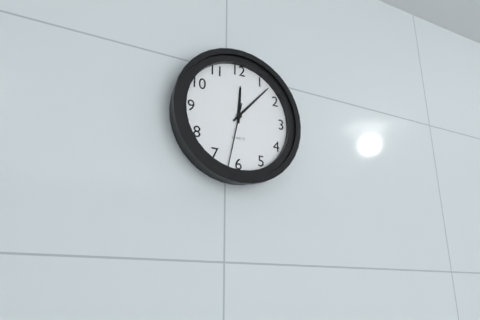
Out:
12 h 07 min 32 s
